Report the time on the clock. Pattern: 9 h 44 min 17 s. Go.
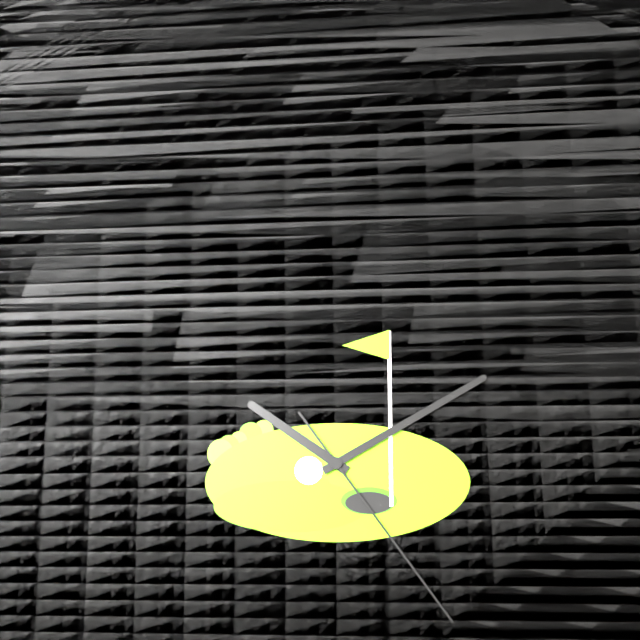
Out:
10 h 10 min 24 s
